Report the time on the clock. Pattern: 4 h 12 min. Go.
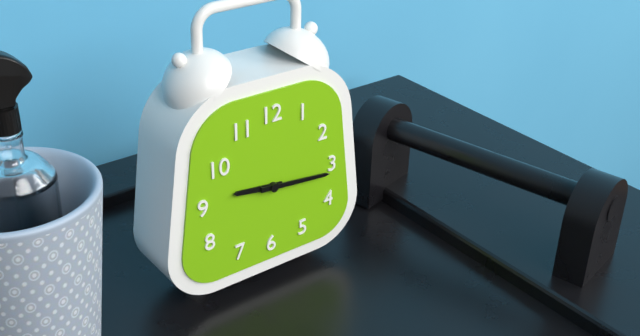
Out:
9 h 16 min
